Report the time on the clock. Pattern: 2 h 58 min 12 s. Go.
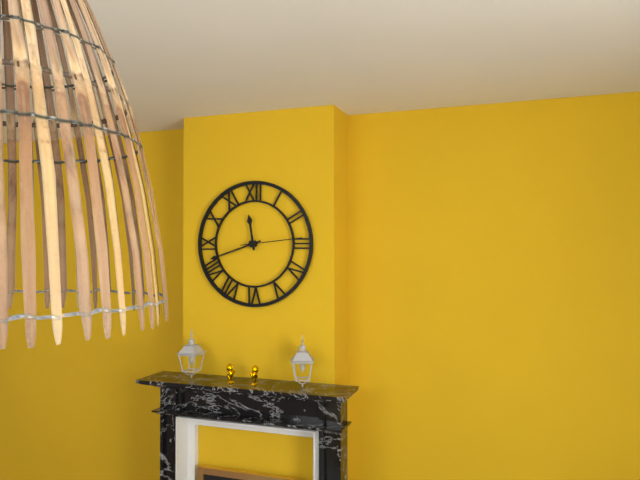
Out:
11 h 42 min 14 s
